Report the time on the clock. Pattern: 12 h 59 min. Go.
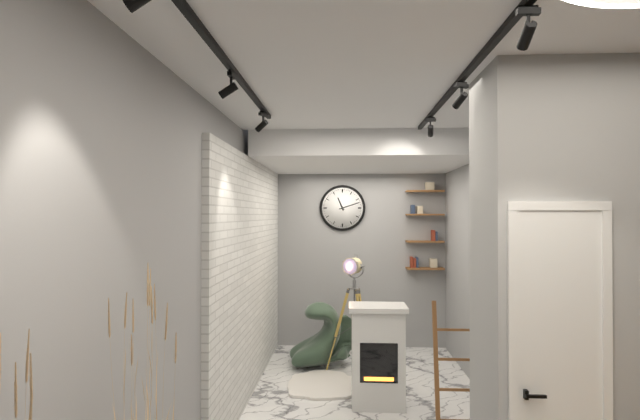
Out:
11 h 12 min
